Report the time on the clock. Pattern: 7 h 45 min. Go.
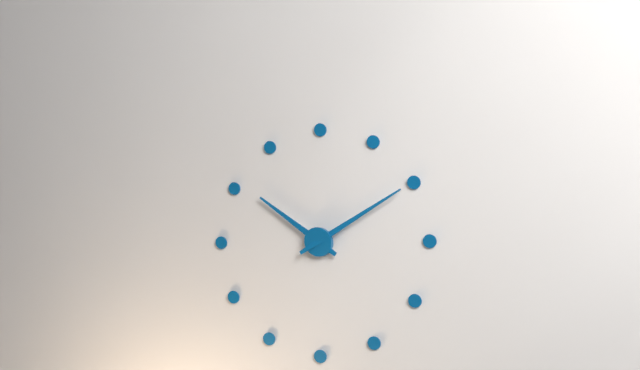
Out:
10 h 10 min
